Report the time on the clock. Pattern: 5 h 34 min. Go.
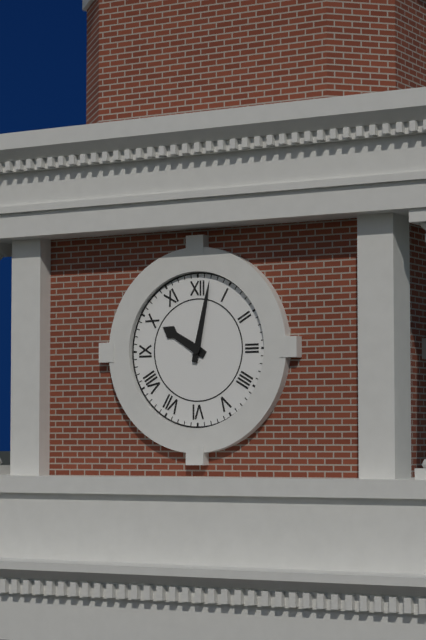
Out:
10 h 02 min
